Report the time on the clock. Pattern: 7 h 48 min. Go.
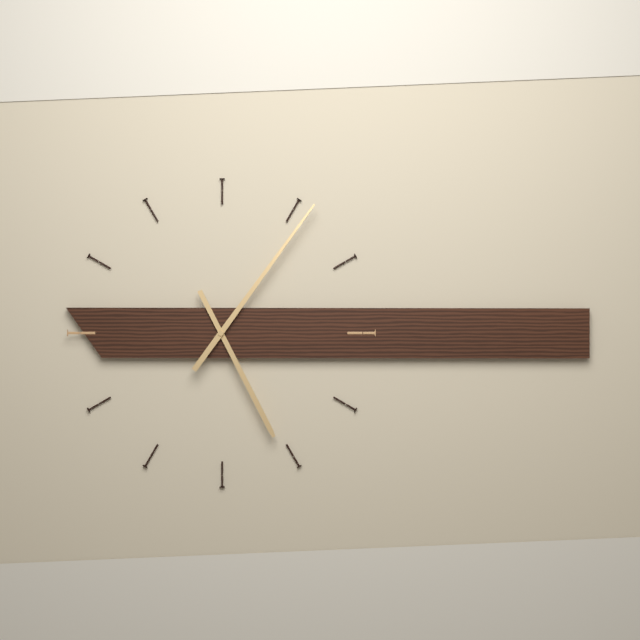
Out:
5 h 06 min
